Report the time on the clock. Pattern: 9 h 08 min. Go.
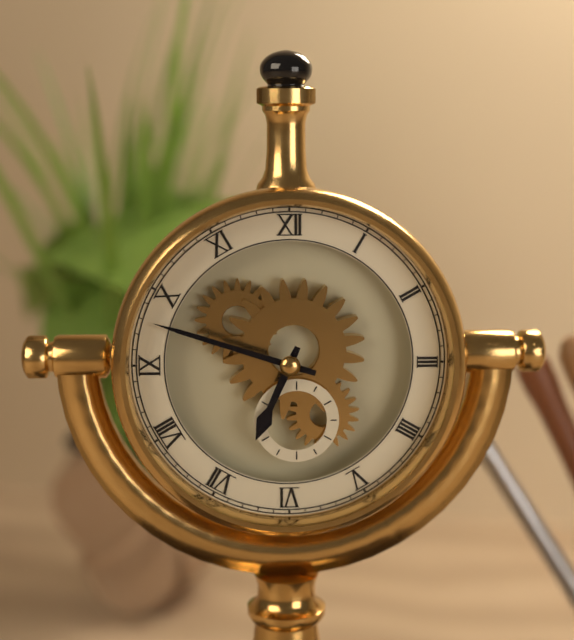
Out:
6 h 48 min
